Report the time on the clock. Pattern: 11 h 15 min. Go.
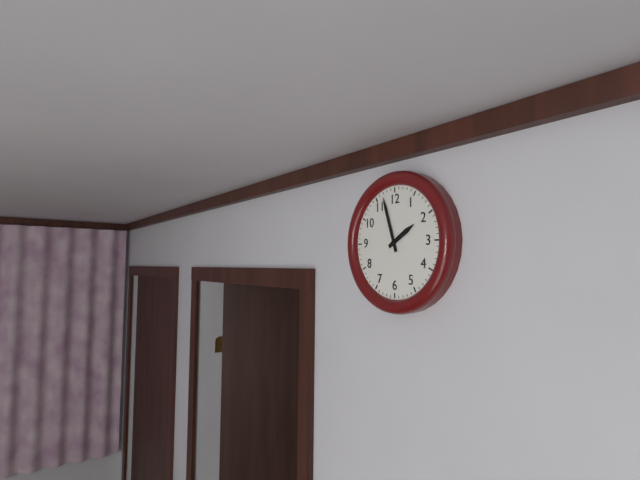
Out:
1 h 57 min
